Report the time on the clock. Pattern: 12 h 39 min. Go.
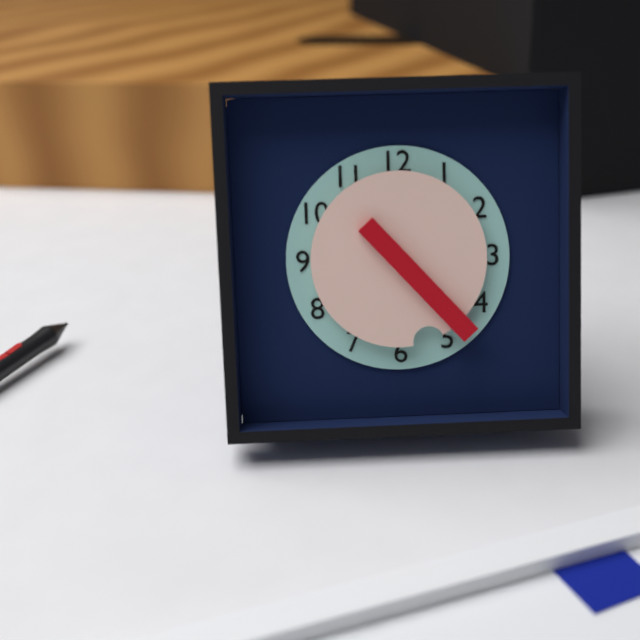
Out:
5 h 23 min
